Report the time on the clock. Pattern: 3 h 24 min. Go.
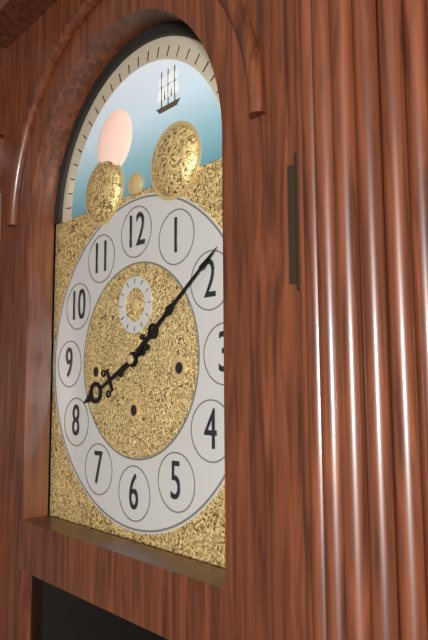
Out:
8 h 09 min
